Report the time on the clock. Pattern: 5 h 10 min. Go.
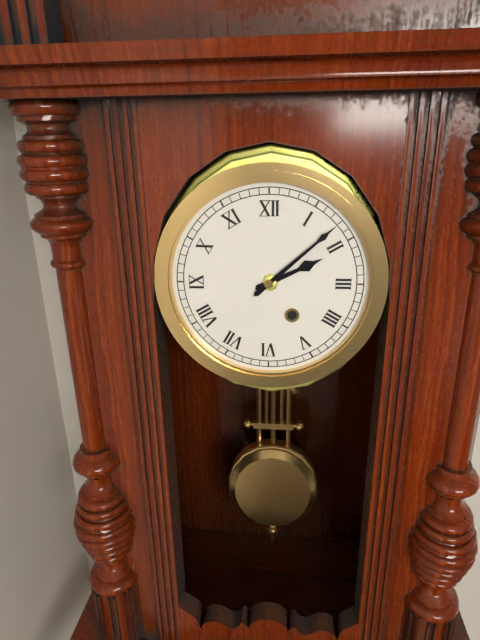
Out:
2 h 08 min
